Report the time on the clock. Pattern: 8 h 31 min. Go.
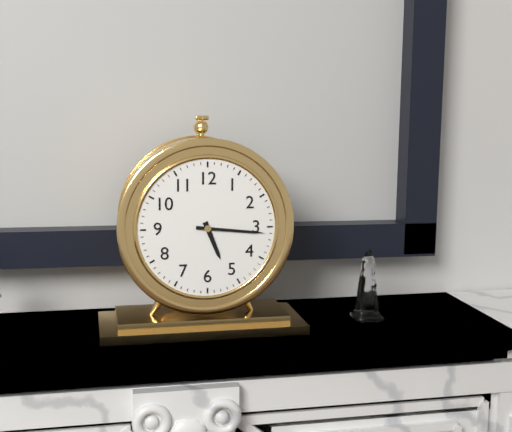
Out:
5 h 16 min
